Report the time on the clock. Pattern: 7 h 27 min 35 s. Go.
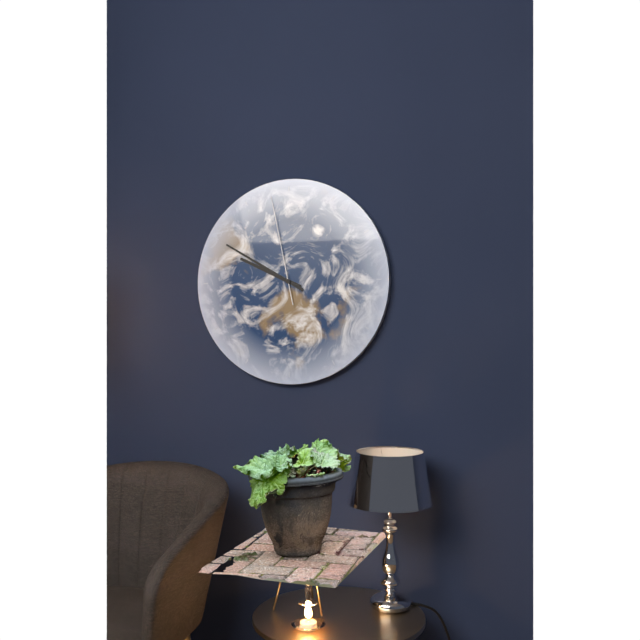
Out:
9 h 50 min 58 s
